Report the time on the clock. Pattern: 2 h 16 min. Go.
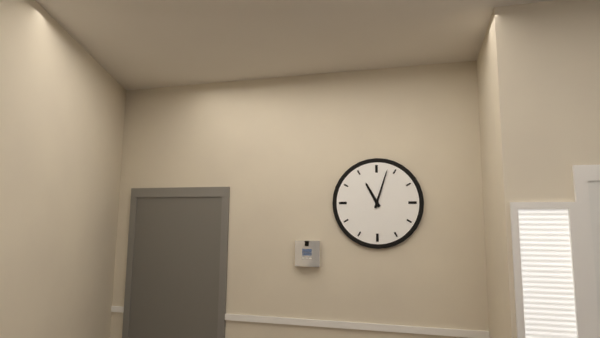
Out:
11 h 03 min
